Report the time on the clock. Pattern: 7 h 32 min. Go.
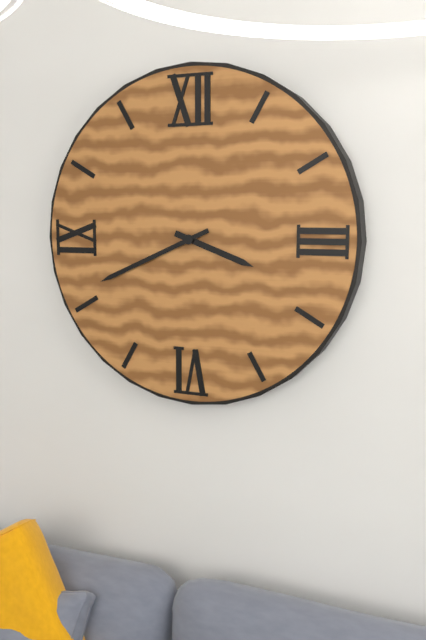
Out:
3 h 41 min
